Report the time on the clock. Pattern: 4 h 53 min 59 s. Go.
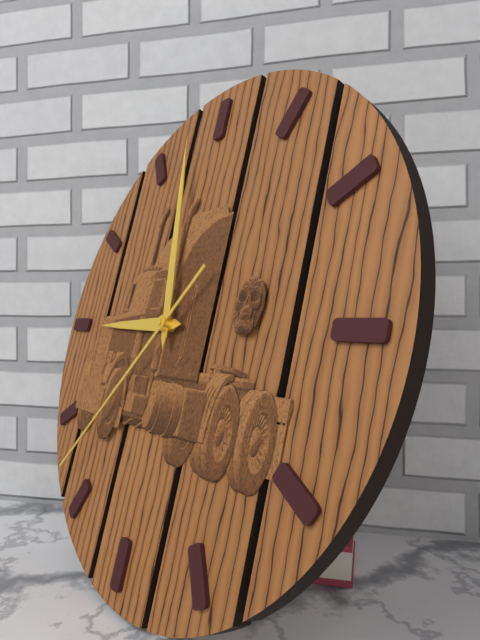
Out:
8 h 58 min 37 s
